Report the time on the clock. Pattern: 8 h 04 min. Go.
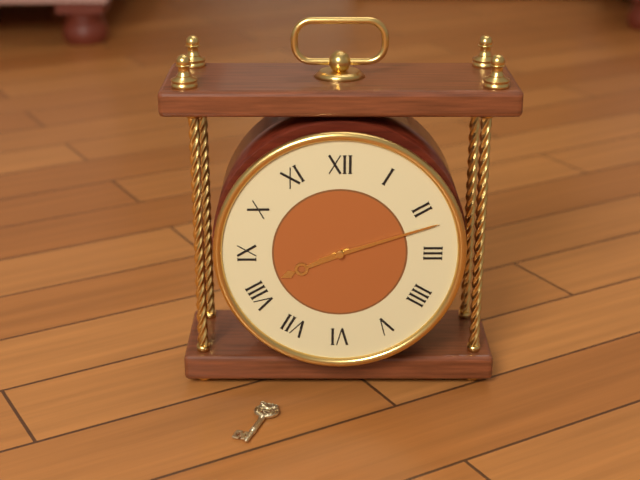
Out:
8 h 12 min
